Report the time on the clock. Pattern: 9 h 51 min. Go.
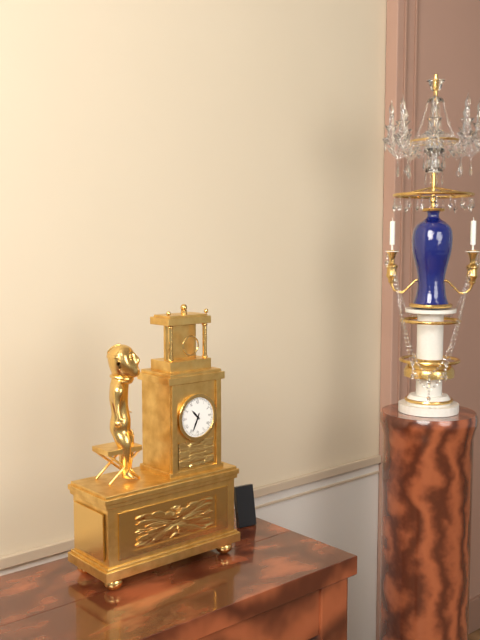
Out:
10 h 34 min
